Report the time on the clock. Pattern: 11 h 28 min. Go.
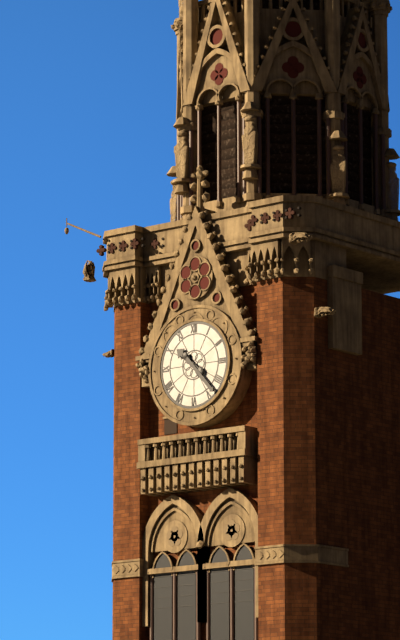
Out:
10 h 23 min
